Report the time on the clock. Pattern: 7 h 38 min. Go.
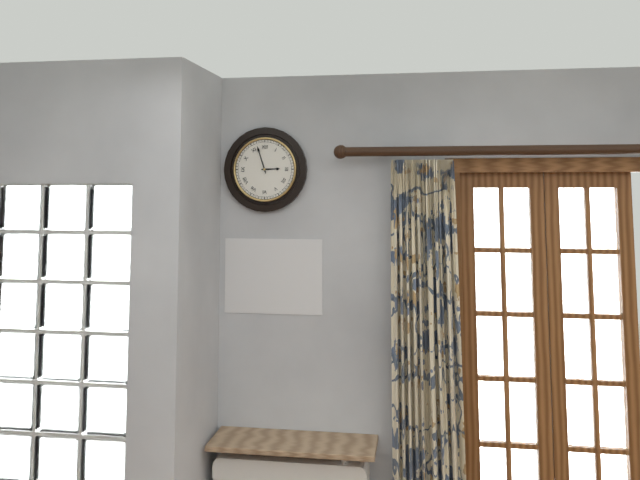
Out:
2 h 57 min
